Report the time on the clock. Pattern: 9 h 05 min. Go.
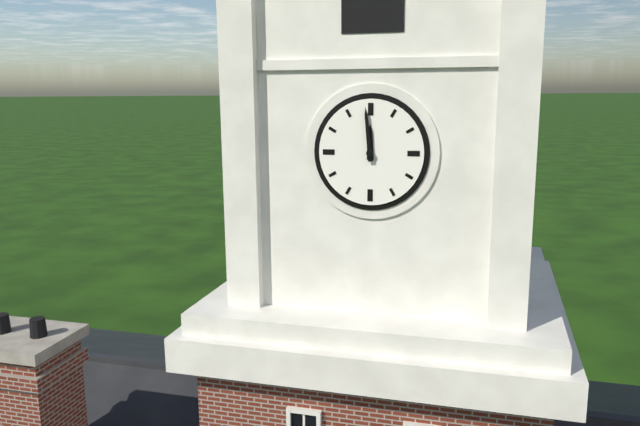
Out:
11 h 59 min
